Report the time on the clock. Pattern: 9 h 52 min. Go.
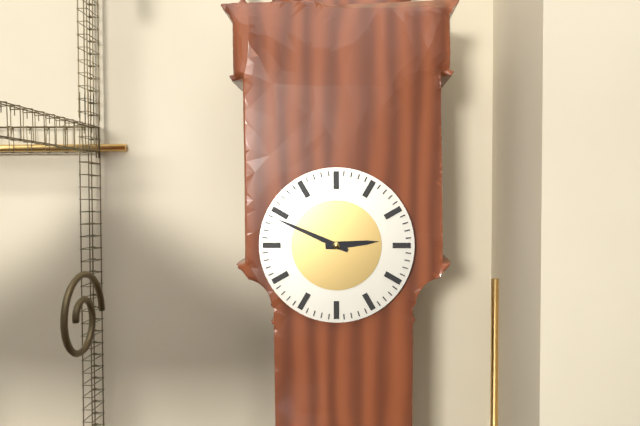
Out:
2 h 49 min
